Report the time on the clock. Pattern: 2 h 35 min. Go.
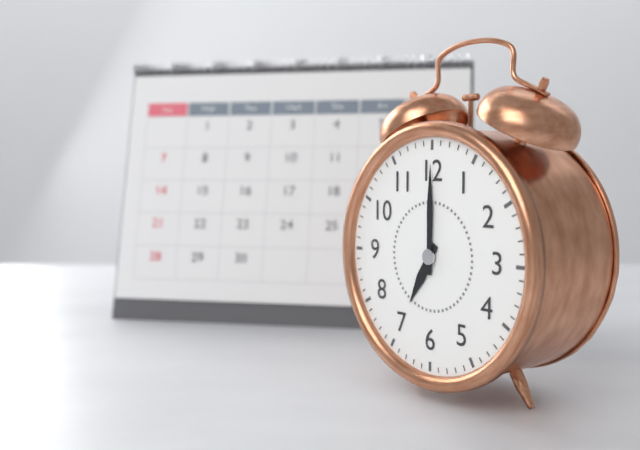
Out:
7 h 00 min
